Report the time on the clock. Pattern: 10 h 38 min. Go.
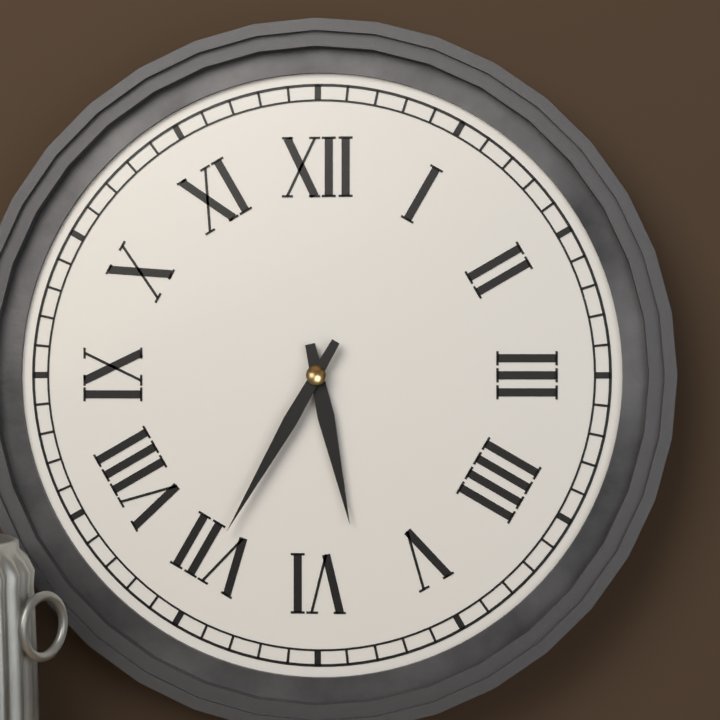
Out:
5 h 35 min
